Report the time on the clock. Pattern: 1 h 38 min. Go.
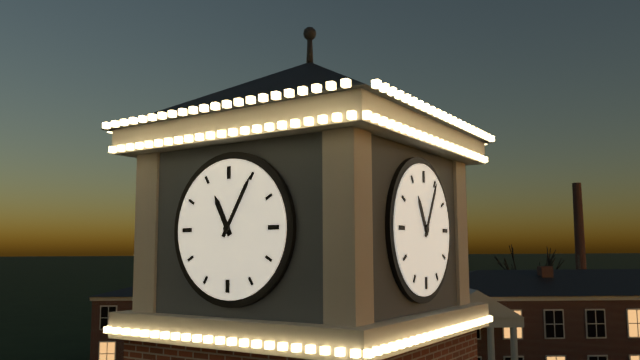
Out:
11 h 05 min
